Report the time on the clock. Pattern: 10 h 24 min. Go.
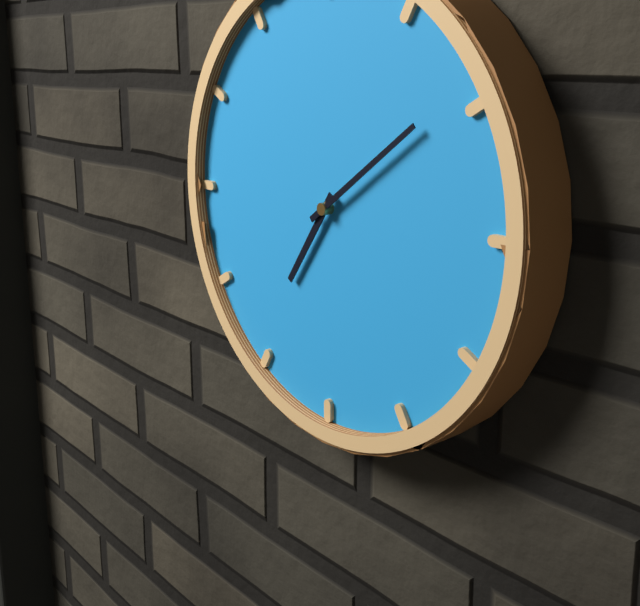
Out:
7 h 09 min
